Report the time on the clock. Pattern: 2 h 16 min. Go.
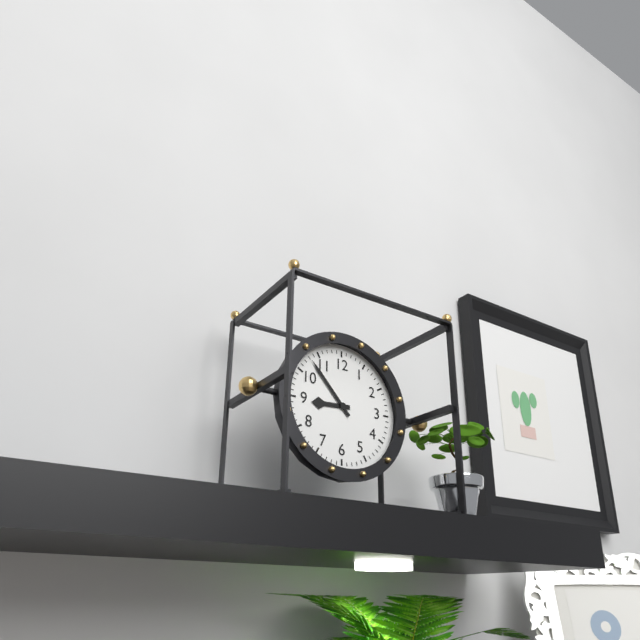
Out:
8 h 53 min
